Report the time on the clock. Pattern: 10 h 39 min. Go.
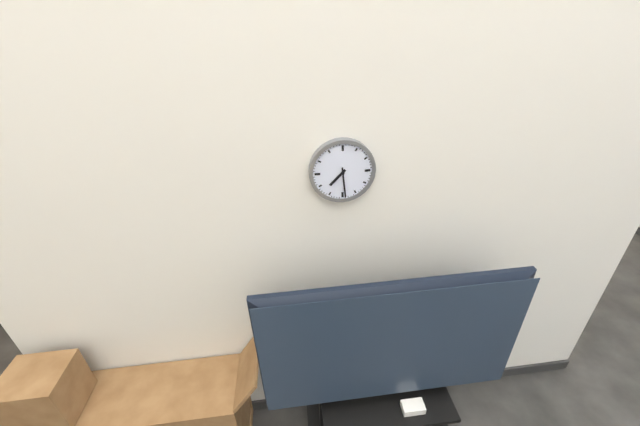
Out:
7 h 29 min
